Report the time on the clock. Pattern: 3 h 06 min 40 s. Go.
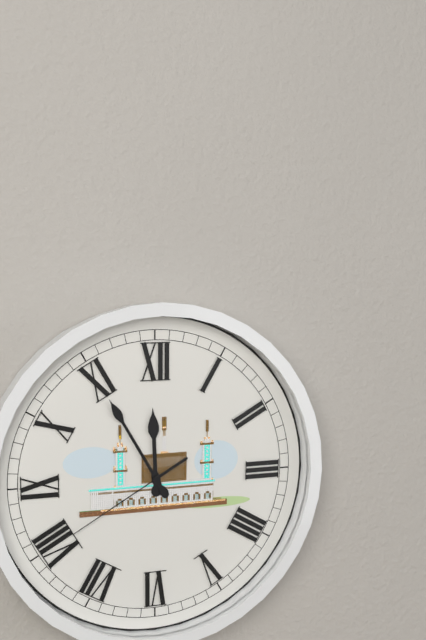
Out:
11 h 55 min 40 s
